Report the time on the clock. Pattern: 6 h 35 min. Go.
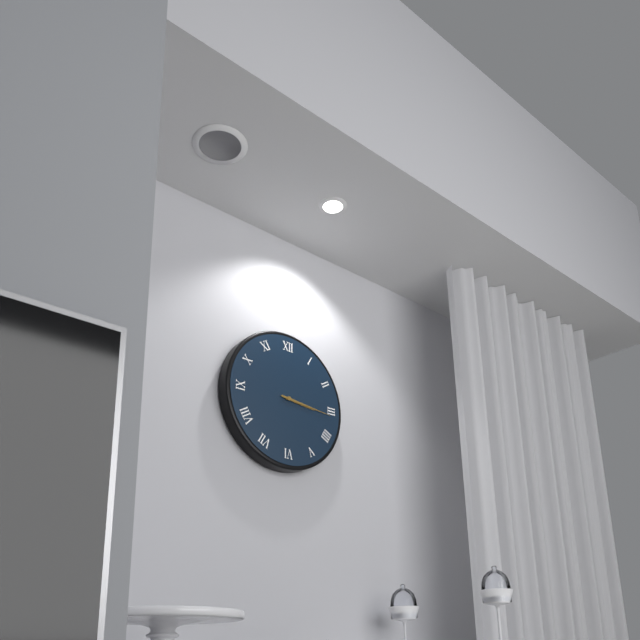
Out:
3 h 16 min
